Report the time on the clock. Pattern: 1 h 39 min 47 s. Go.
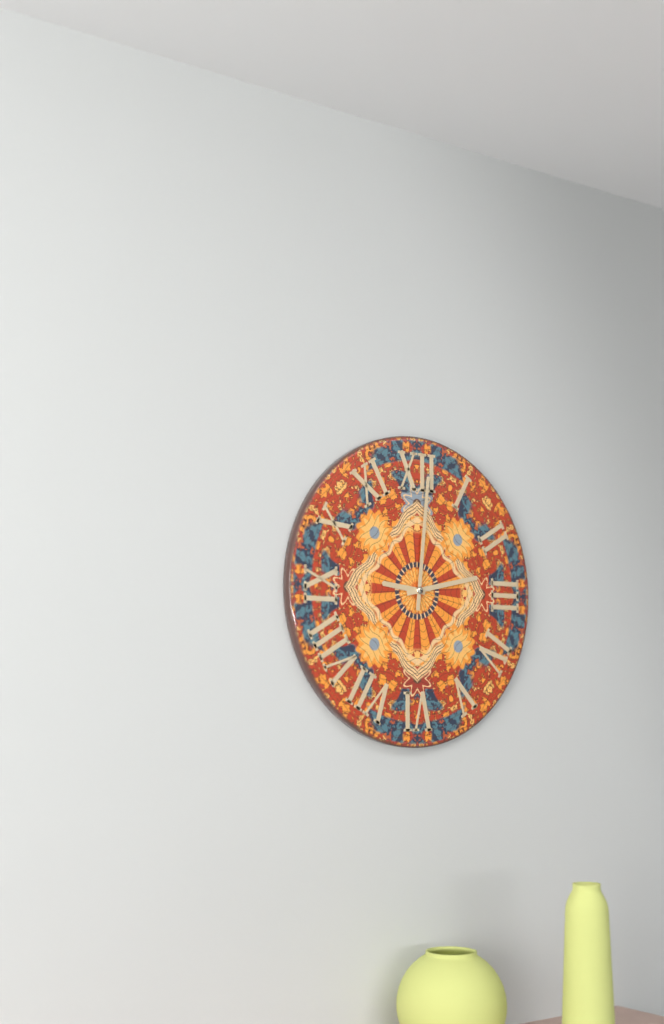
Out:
9 h 13 min 01 s
